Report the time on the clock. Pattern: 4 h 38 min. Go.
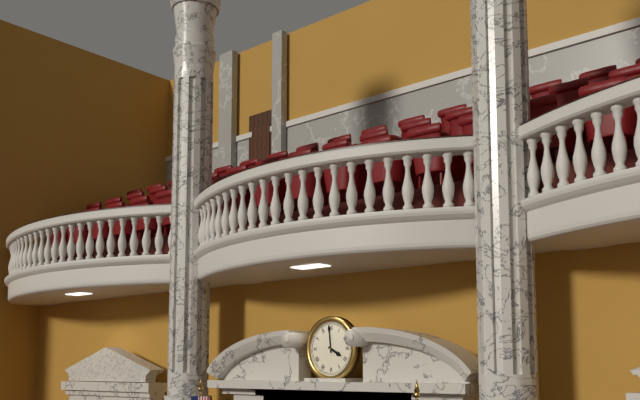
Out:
3 h 59 min
